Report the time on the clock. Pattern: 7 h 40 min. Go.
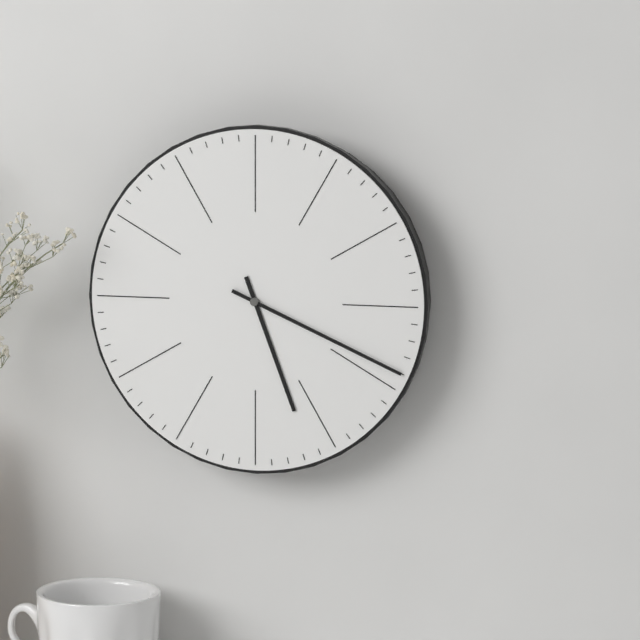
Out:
5 h 19 min
